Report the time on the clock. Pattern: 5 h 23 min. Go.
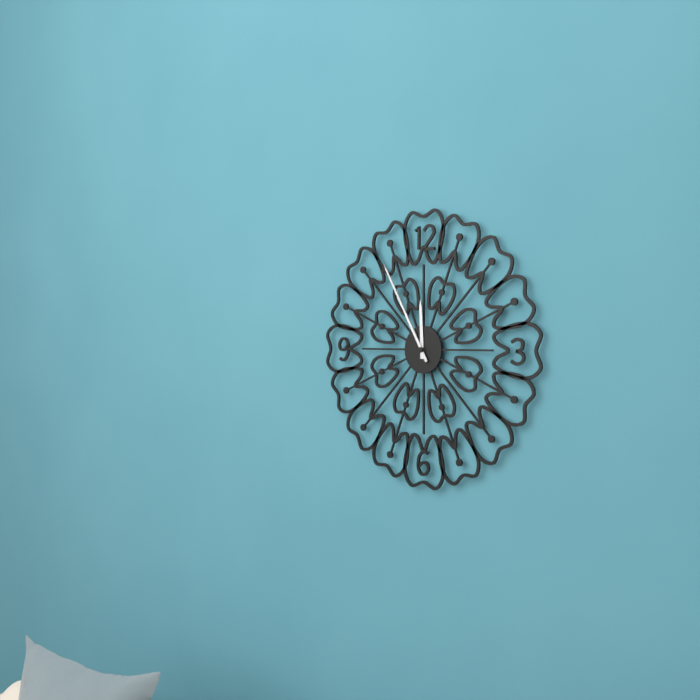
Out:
11 h 55 min
